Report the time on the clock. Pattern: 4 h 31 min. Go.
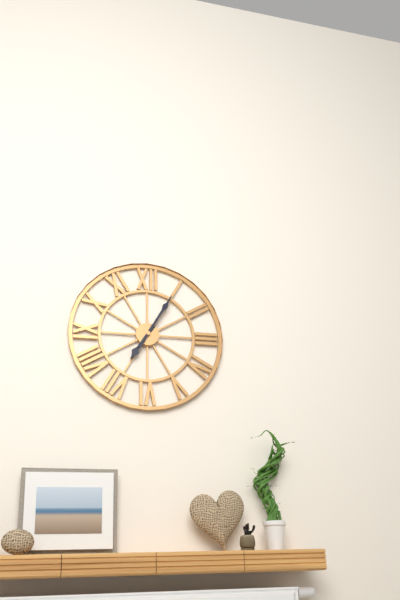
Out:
7 h 05 min
